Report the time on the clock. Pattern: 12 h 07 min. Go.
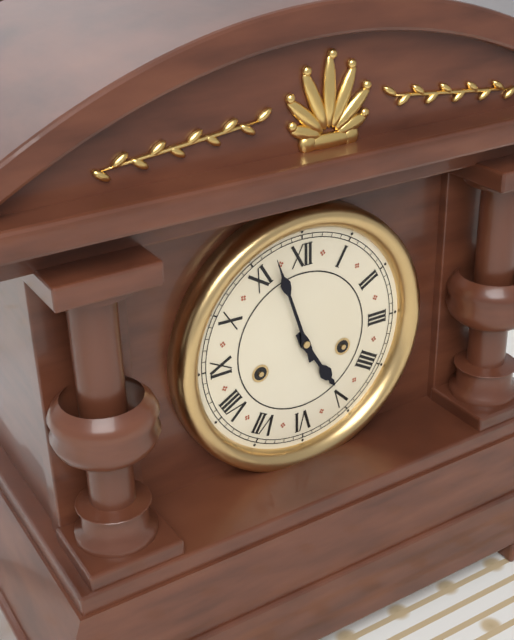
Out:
4 h 57 min
